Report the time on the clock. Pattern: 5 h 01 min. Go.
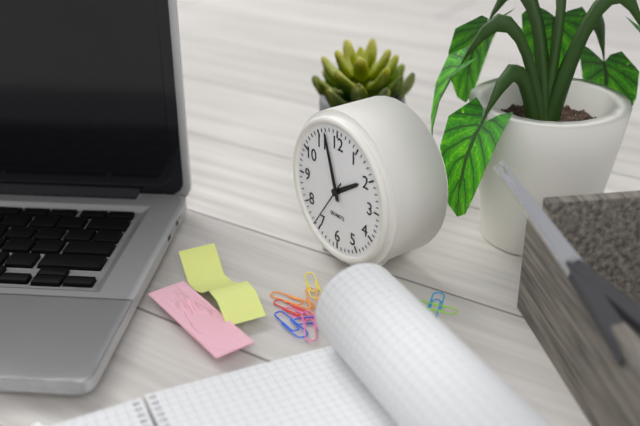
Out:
1 h 57 min
